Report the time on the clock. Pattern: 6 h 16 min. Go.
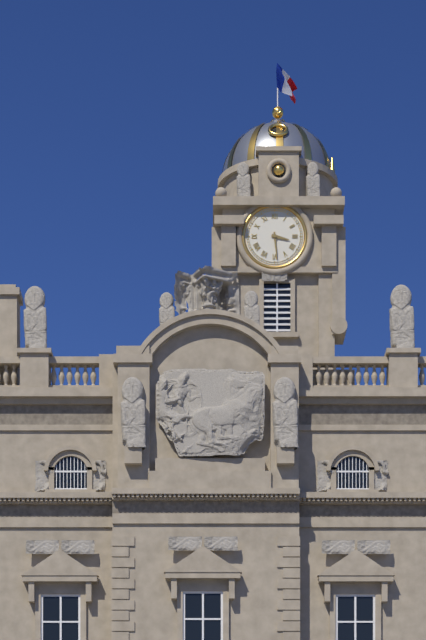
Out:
3 h 29 min
